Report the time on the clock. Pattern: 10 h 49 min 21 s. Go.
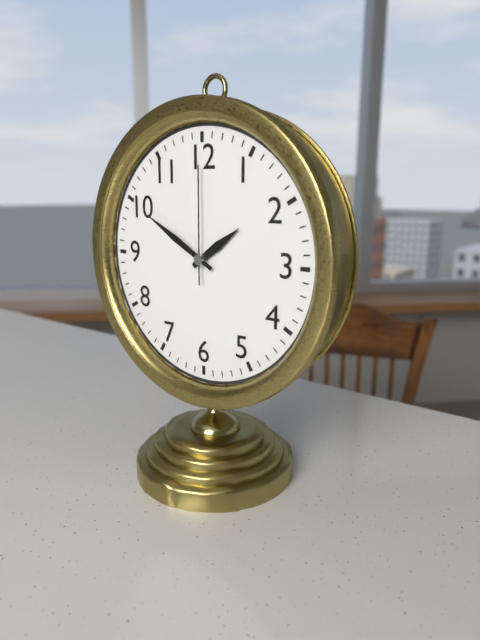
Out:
1 h 50 min 00 s
